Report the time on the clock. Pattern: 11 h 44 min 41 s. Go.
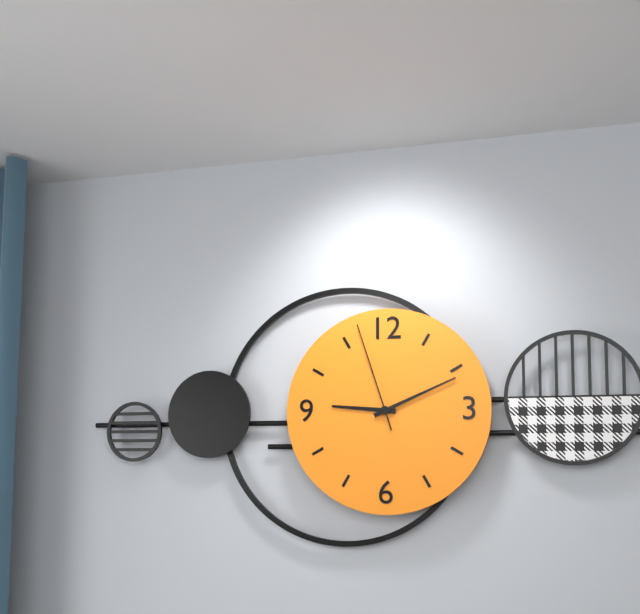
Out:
9 h 11 min 57 s
